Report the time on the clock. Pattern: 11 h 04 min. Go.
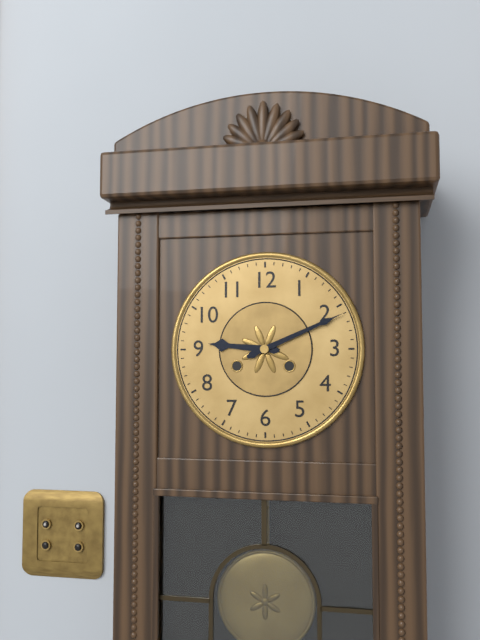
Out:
9 h 11 min
